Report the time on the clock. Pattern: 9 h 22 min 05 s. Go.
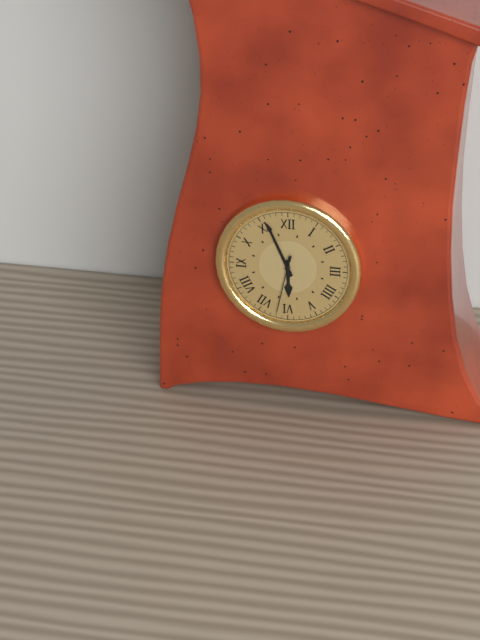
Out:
5 h 56 min 32 s
